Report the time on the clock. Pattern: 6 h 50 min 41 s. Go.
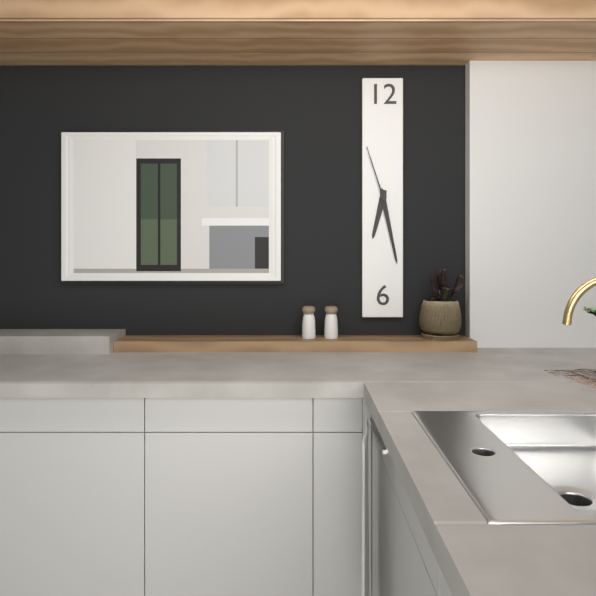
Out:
6 h 28 min 57 s
